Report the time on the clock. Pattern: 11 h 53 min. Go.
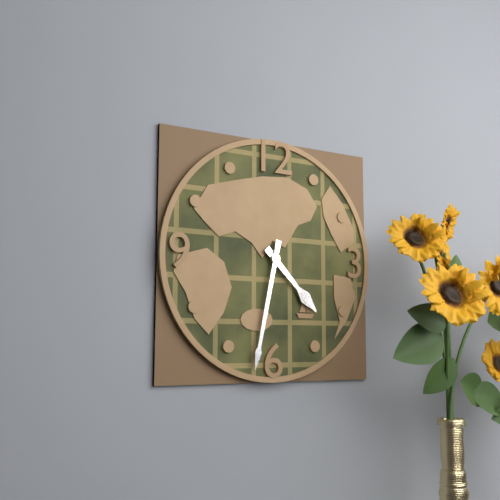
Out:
4 h 32 min
